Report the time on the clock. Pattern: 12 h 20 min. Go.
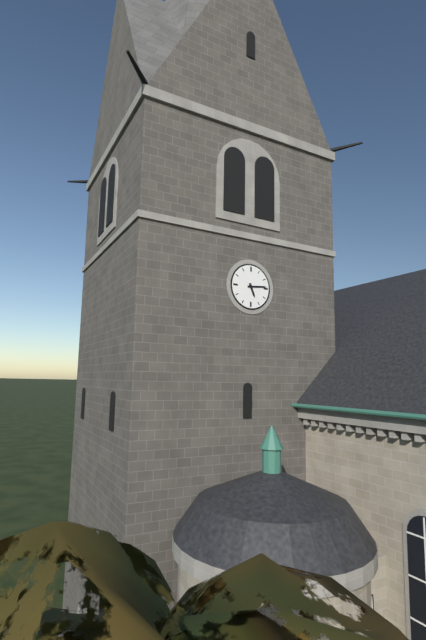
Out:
5 h 14 min
